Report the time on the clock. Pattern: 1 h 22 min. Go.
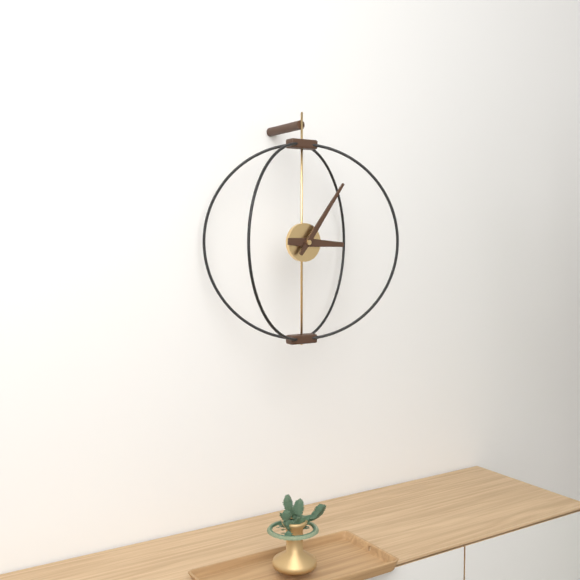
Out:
3 h 06 min
